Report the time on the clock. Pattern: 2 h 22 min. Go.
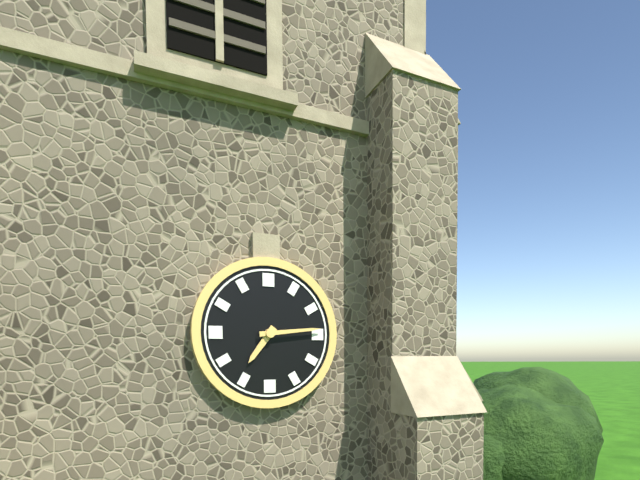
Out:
7 h 14 min
